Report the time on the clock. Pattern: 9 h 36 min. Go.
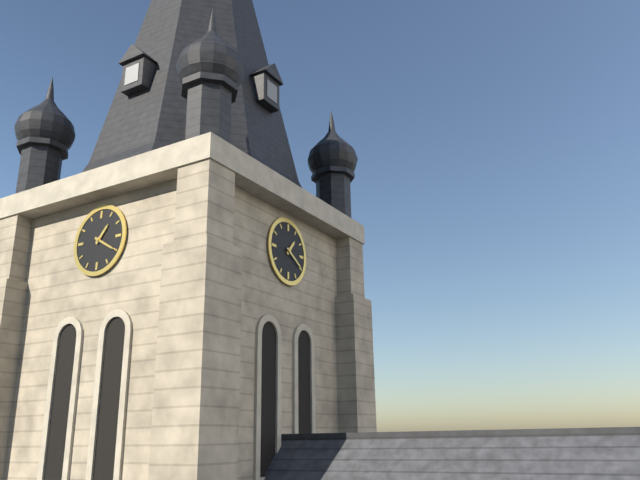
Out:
1 h 20 min
